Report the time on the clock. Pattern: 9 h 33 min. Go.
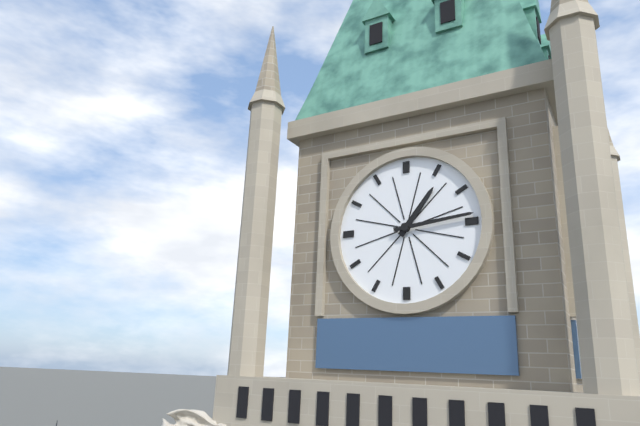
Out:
1 h 14 min
